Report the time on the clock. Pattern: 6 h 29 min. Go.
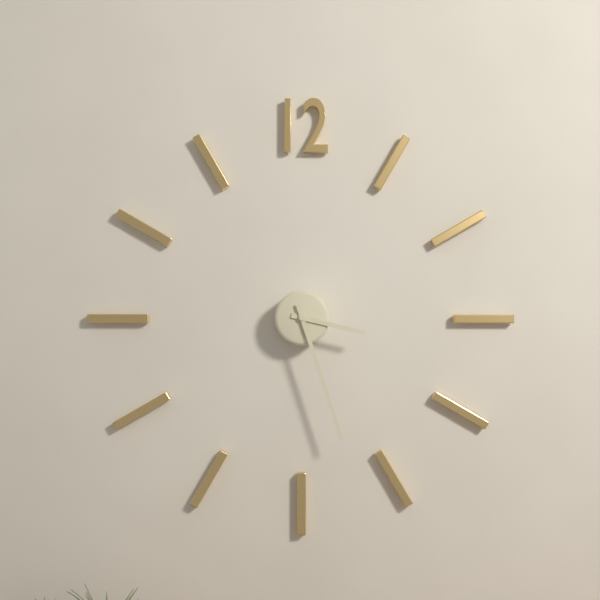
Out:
3 h 27 min
